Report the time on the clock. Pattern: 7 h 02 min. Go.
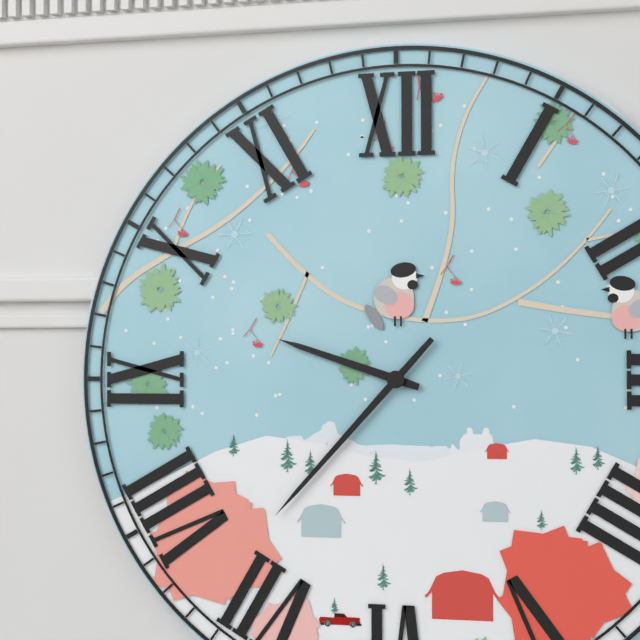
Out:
9 h 37 min
